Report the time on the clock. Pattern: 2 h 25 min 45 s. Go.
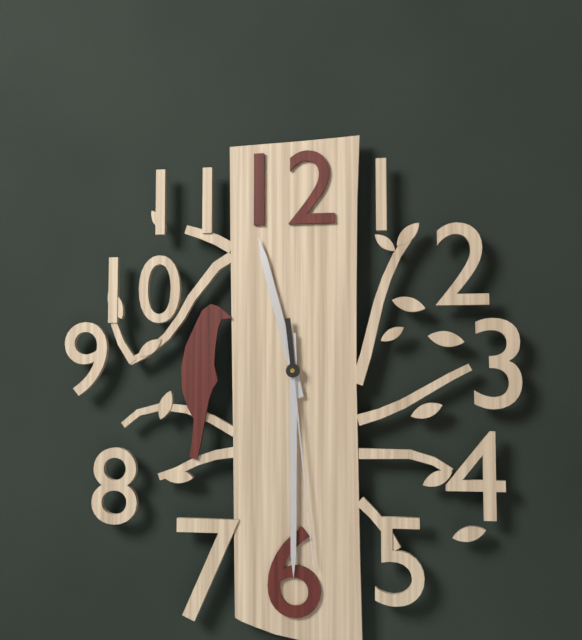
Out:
11 h 30 min 29 s
